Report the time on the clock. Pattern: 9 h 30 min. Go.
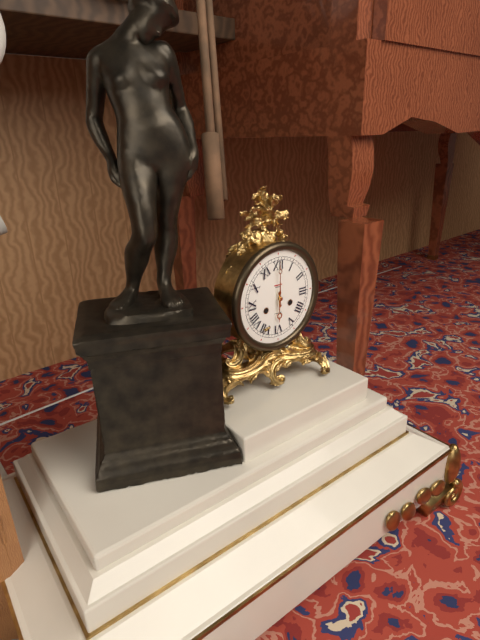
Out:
6 h 00 min
